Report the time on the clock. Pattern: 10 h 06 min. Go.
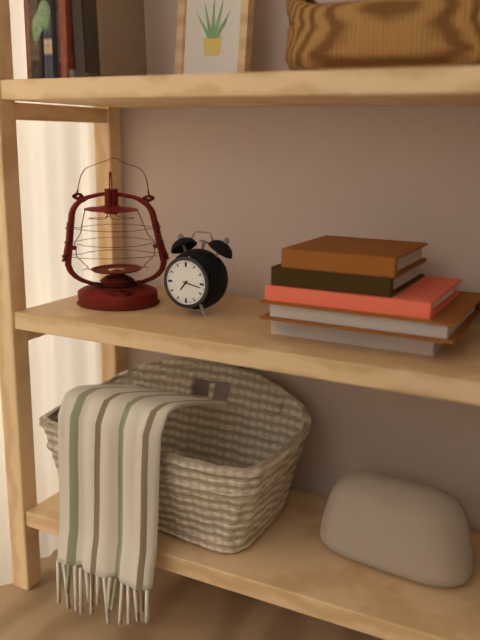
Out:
7 h 17 min
